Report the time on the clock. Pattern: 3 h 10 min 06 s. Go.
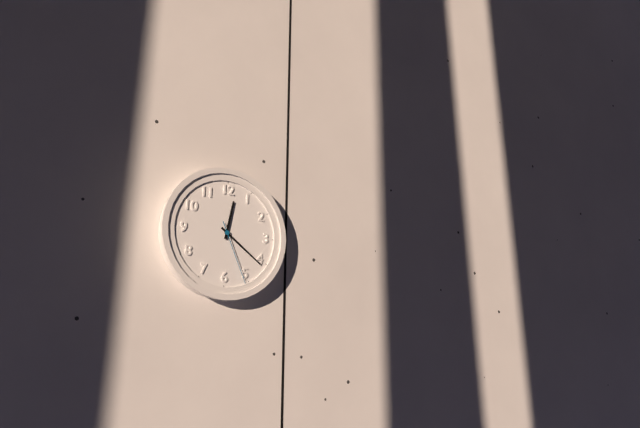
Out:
12 h 21 min 26 s
